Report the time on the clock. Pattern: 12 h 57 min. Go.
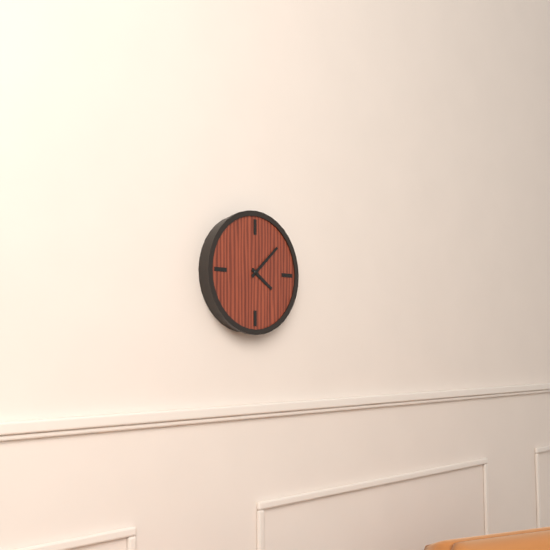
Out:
4 h 08 min
